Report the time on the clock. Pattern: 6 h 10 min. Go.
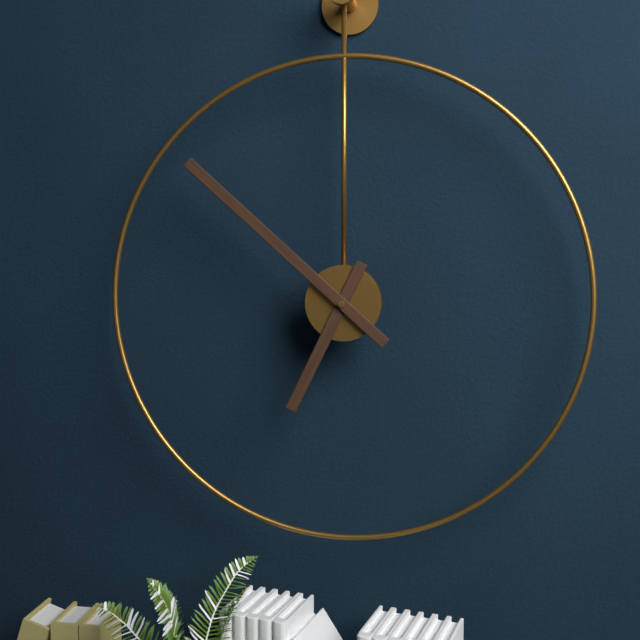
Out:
6 h 52 min
